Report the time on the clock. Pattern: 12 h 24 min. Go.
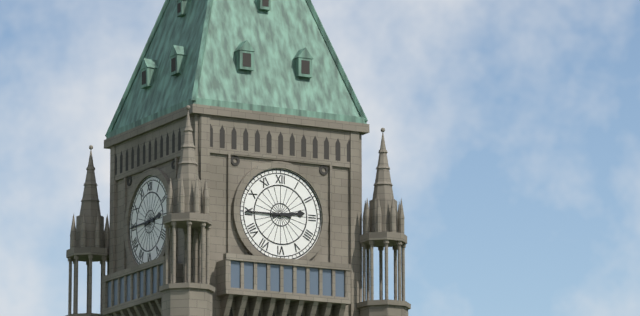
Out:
2 h 45 min
